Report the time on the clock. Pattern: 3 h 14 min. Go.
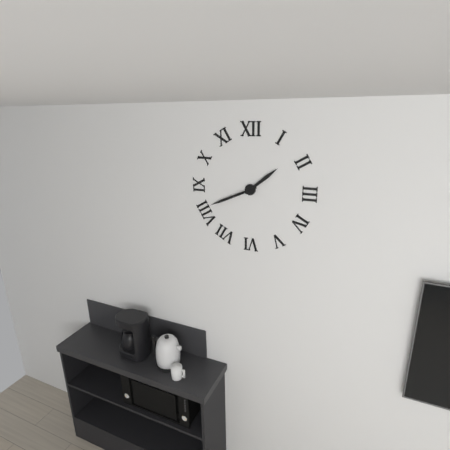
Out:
1 h 41 min
